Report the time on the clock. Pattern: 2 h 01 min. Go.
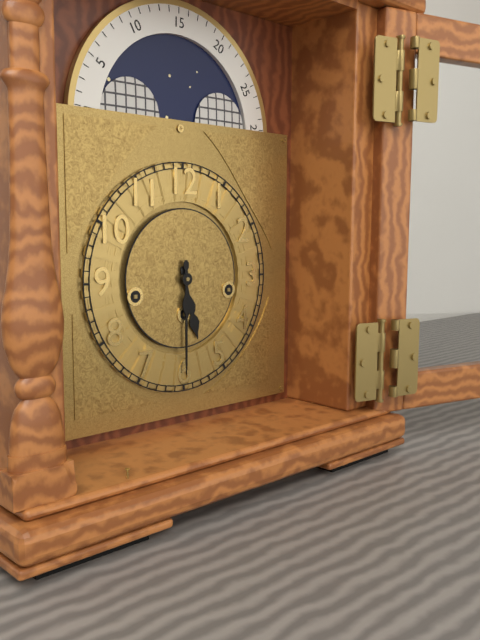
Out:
5 h 30 min
